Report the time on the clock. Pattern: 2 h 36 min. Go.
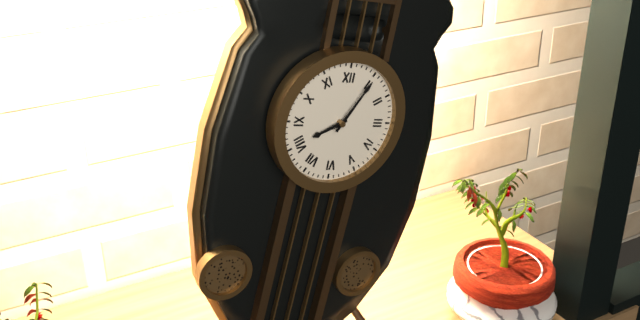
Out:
8 h 05 min
